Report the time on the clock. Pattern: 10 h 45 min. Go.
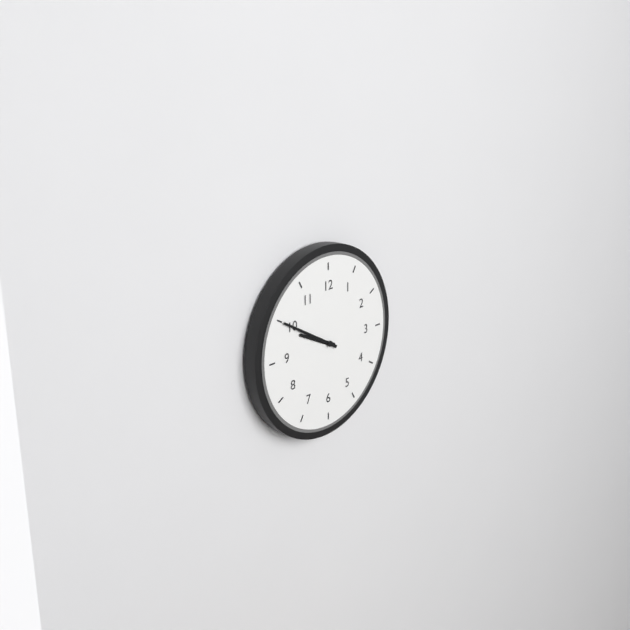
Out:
9 h 50 min
